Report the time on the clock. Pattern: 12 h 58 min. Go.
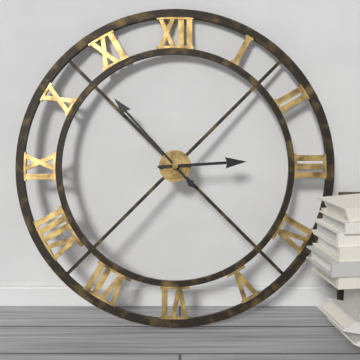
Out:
2 h 53 min
